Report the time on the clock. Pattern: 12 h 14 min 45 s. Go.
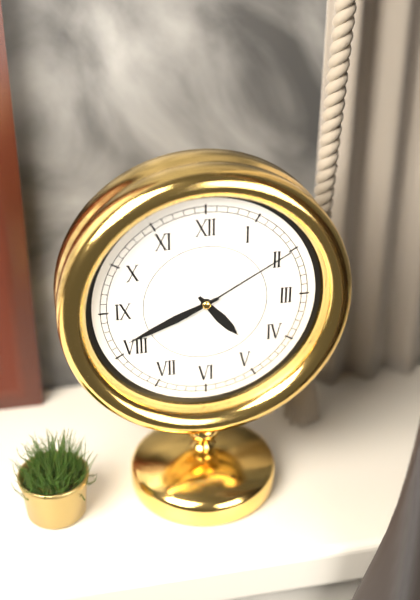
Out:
4 h 41 min 10 s
